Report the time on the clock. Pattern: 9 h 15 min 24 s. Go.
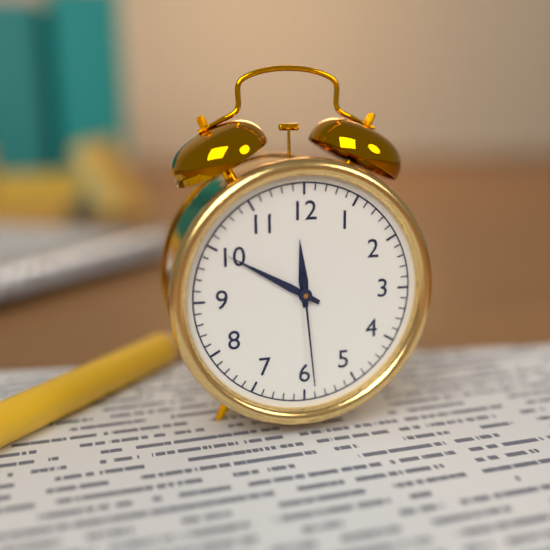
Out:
11 h 50 min 29 s
